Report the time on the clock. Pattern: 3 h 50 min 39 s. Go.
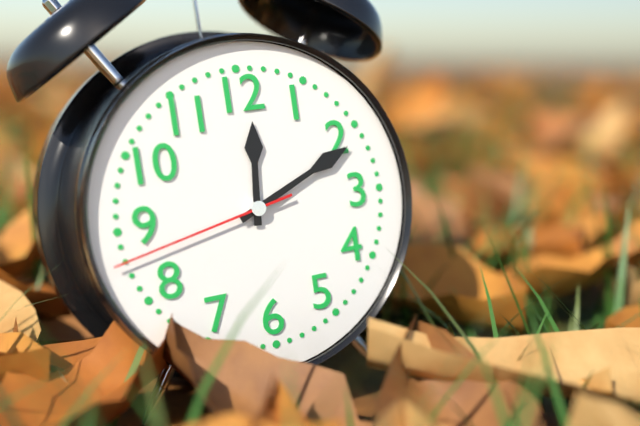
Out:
12 h 11 min 43 s
